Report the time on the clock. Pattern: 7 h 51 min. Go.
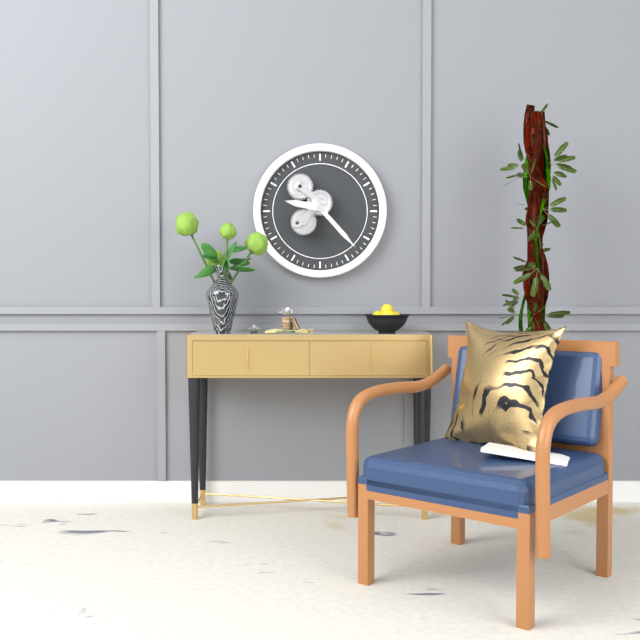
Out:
9 h 23 min
